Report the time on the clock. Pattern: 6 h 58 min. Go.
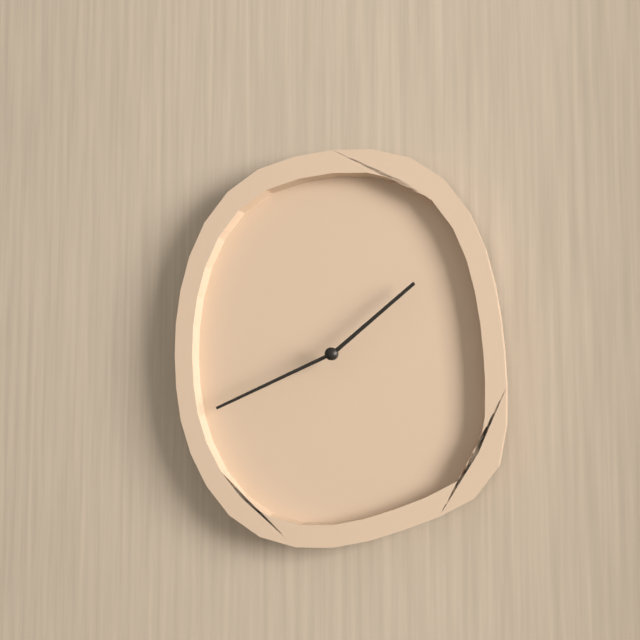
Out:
1 h 41 min
